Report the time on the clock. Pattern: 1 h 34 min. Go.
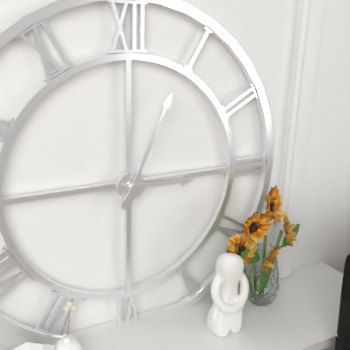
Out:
3 h 04 min
